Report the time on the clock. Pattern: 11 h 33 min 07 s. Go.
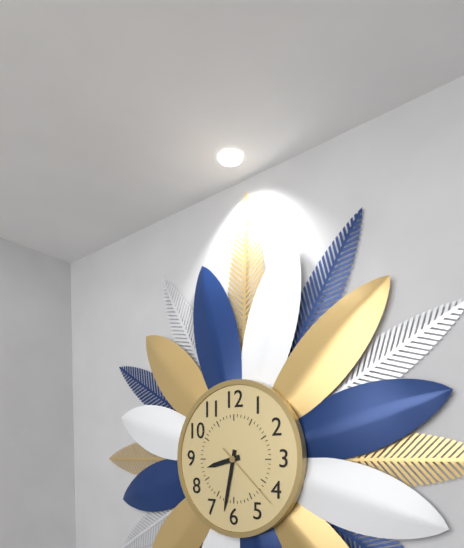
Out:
8 h 32 min 22 s
